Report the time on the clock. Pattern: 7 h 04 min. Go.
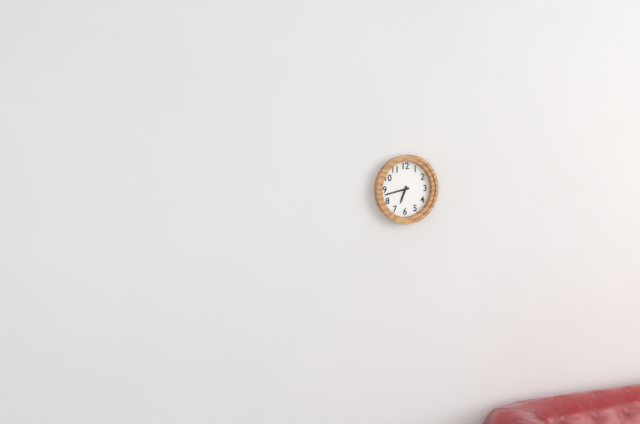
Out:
6 h 43 min
